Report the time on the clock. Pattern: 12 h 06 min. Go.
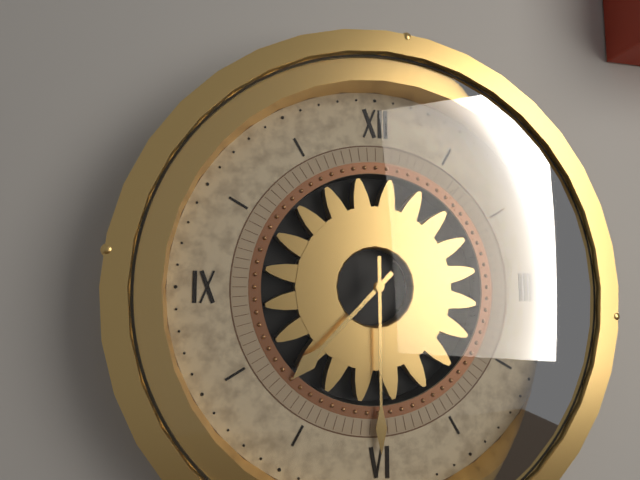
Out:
7 h 30 min
